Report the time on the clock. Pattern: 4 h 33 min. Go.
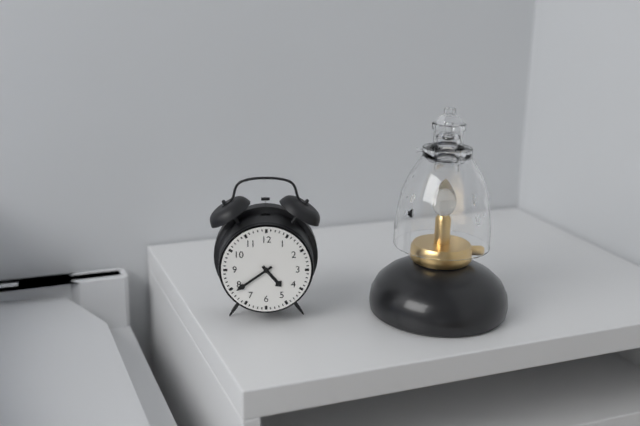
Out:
4 h 39 min
